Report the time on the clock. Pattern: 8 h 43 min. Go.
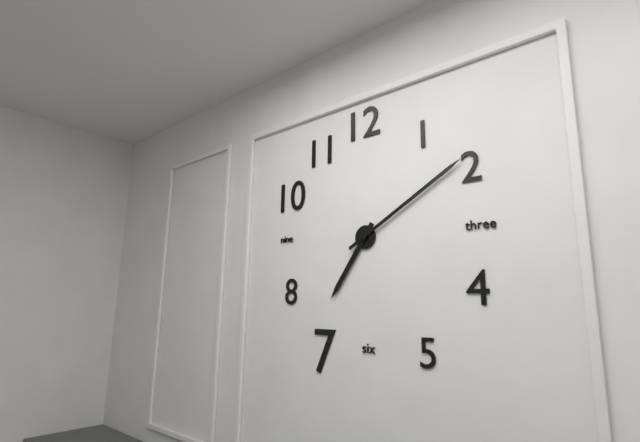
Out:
7 h 10 min
